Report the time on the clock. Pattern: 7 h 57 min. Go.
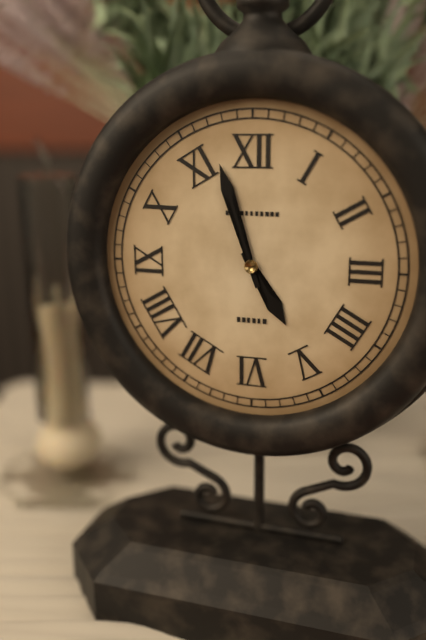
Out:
4 h 57 min
